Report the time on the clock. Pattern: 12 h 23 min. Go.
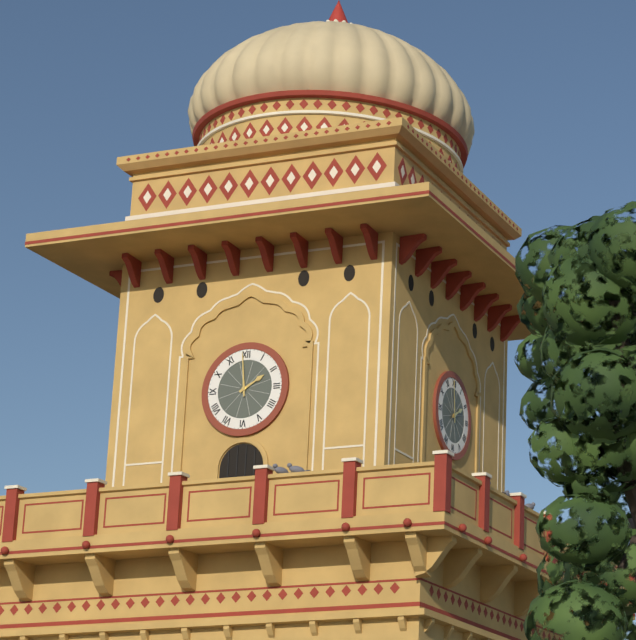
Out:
1 h 59 min
